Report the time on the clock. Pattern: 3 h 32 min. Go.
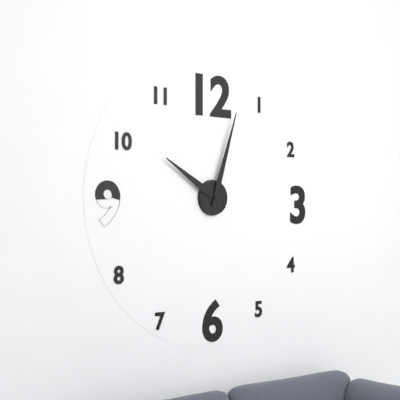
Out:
10 h 03 min
